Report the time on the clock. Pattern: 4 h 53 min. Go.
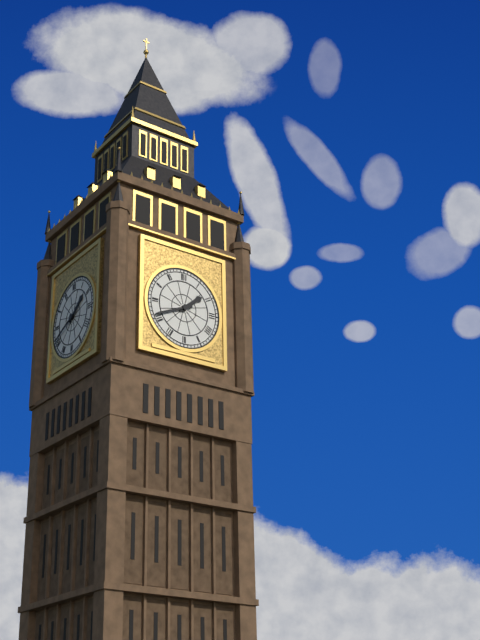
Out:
1 h 41 min
